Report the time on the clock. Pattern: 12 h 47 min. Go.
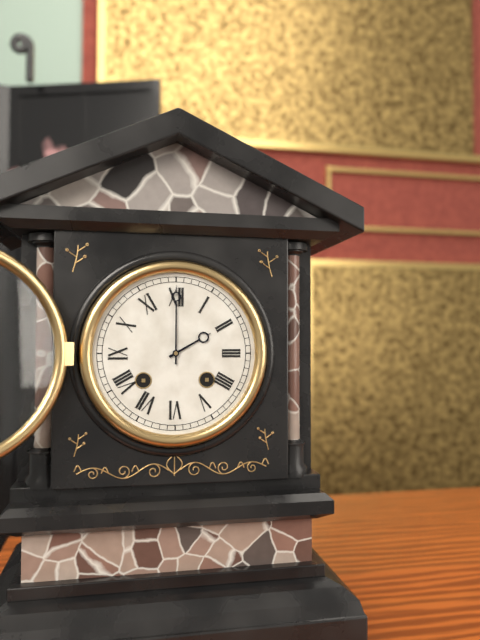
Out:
2 h 00 min
